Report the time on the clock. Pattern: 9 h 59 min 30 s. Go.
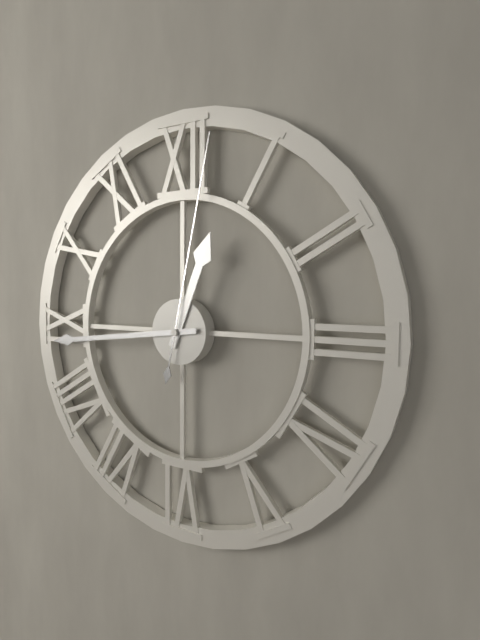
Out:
12 h 44 min 02 s
